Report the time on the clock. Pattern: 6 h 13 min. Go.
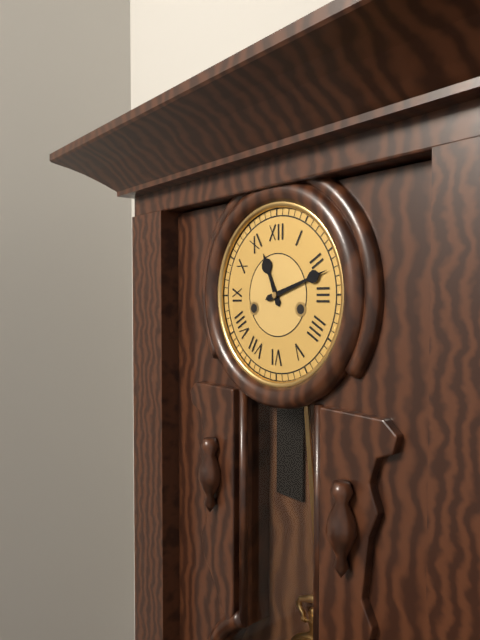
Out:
11 h 12 min
